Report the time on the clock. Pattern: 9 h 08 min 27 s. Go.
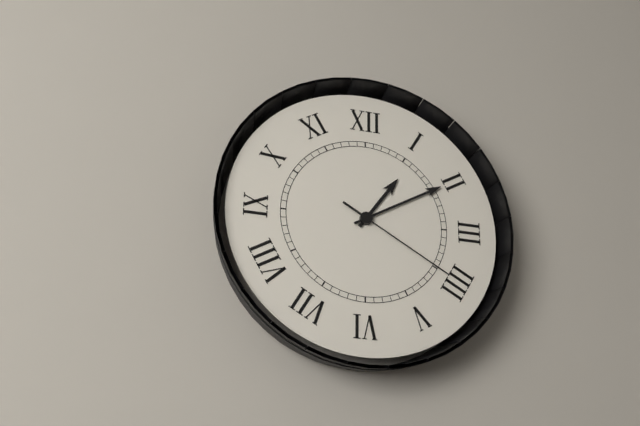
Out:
1 h 10 min 20 s
